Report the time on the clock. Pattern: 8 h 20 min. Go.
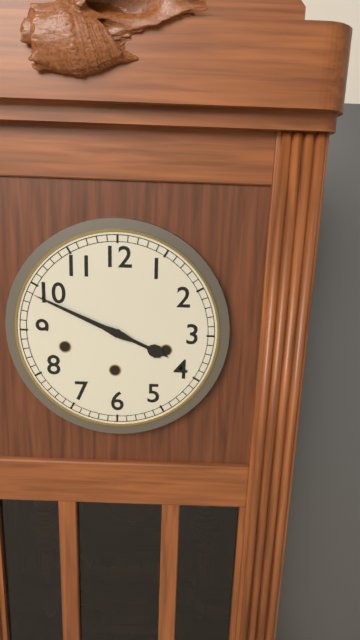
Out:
3 h 49 min
